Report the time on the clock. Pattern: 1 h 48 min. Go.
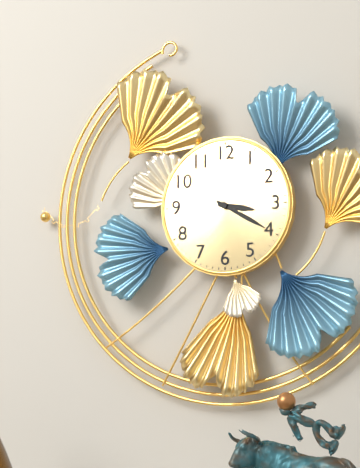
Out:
3 h 20 min
